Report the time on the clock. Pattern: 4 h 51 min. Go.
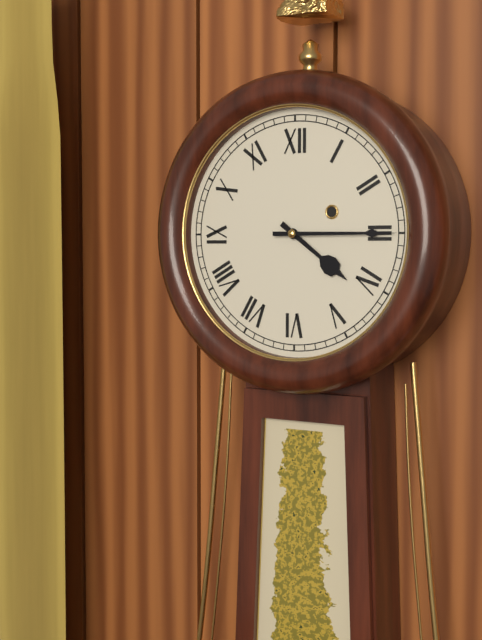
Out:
4 h 15 min
